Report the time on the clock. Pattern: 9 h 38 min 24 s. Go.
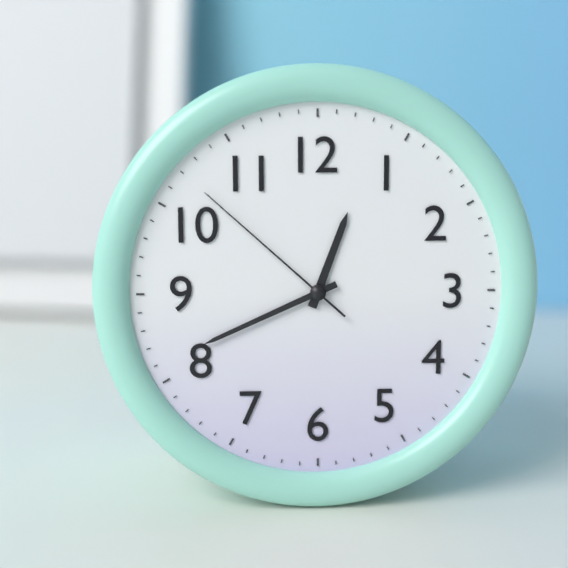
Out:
12 h 41 min 52 s
